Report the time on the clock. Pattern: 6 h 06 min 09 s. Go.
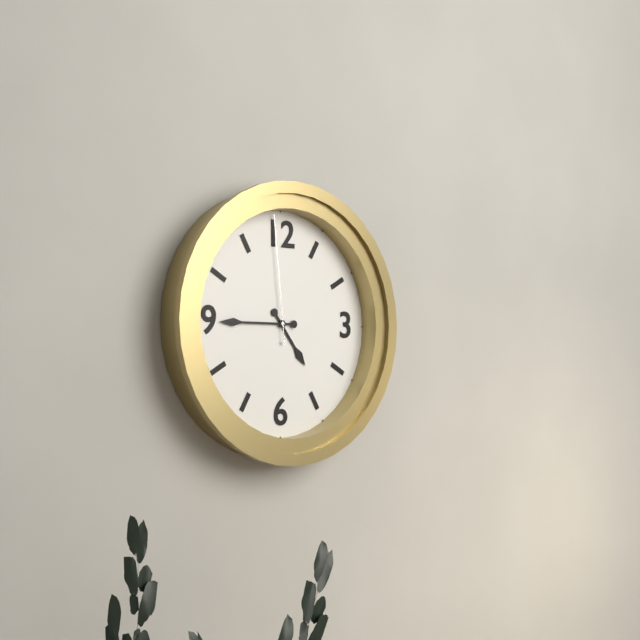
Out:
4 h 45 min 59 s
